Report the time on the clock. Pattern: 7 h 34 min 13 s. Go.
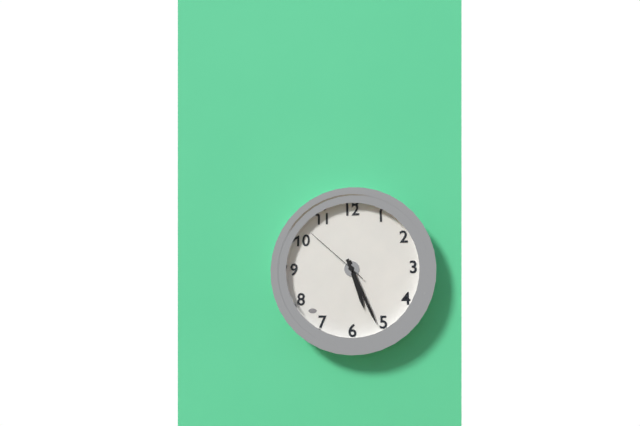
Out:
5 h 26 min 52 s
